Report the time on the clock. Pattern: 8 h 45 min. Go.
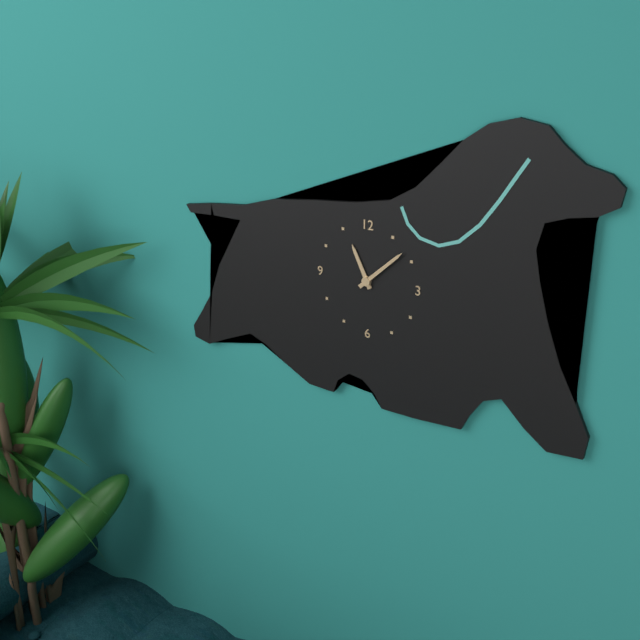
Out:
11 h 08 min
